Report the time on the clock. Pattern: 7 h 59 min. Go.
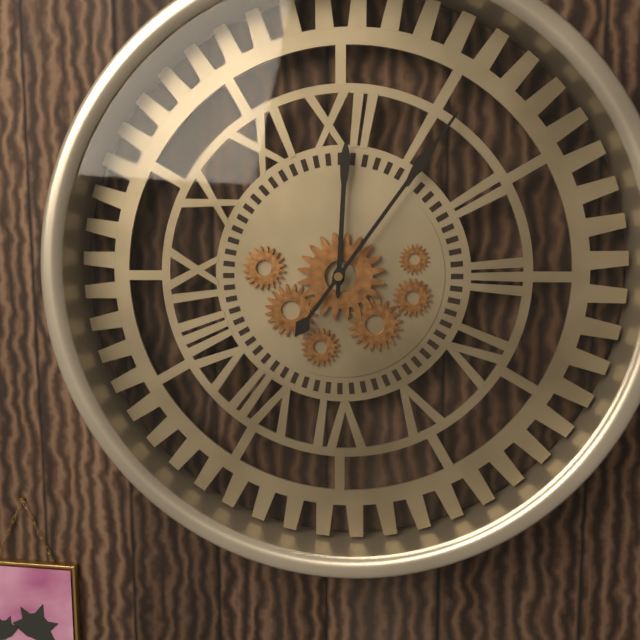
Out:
12 h 06 min
